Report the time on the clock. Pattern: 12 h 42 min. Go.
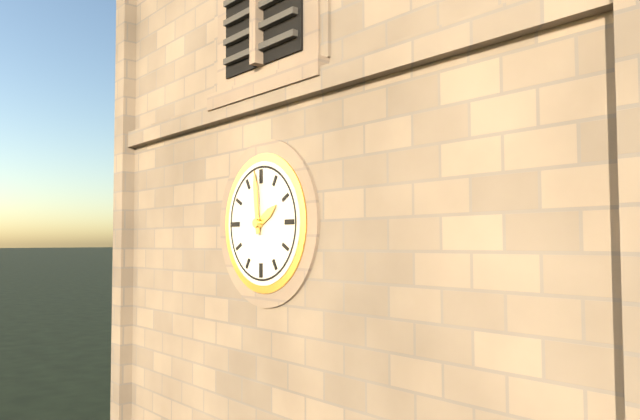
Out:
1 h 59 min
